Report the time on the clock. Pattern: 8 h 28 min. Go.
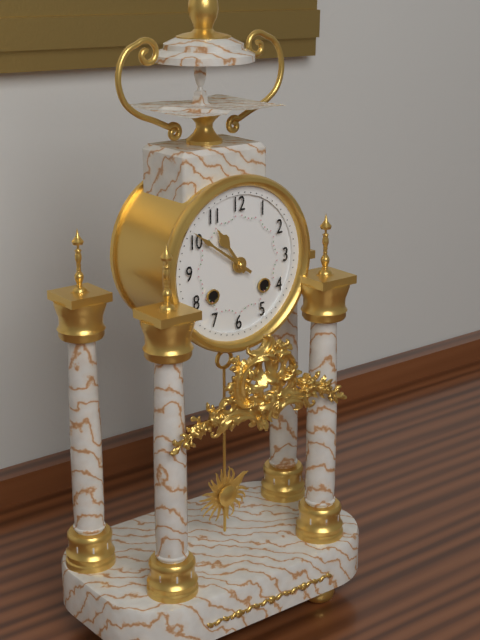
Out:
10 h 51 min
